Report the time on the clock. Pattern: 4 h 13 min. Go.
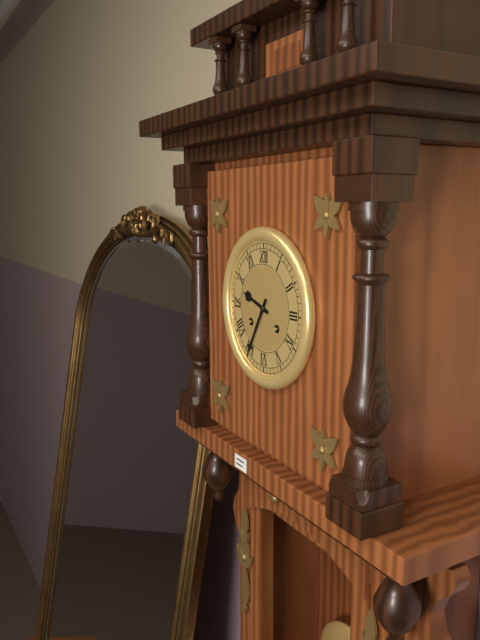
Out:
9 h 35 min
